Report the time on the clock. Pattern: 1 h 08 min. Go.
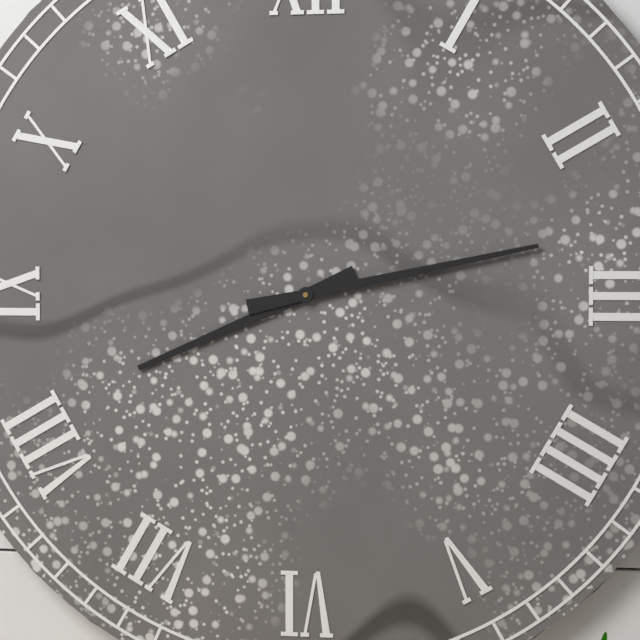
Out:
8 h 13 min
